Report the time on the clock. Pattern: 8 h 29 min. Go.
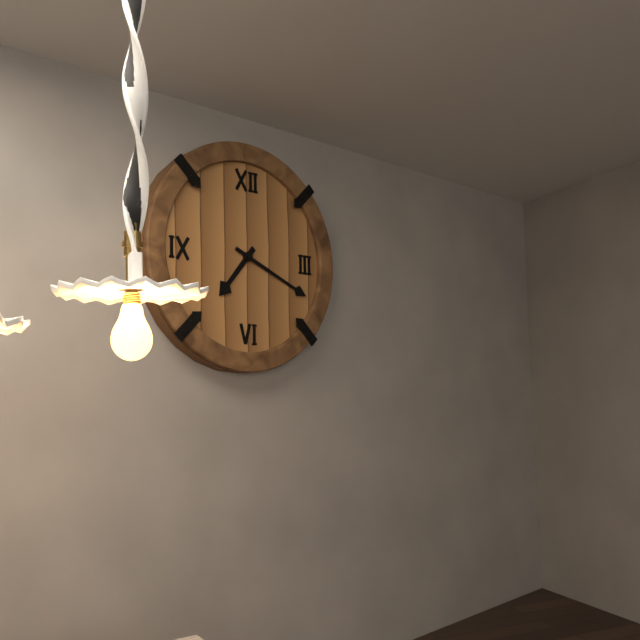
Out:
7 h 19 min
